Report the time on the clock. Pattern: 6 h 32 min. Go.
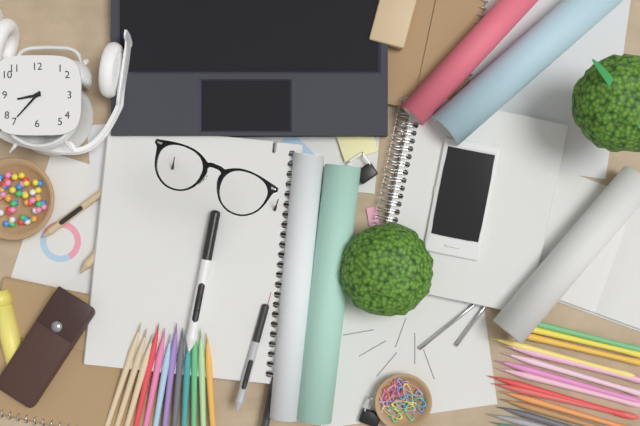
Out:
8 h 37 min
